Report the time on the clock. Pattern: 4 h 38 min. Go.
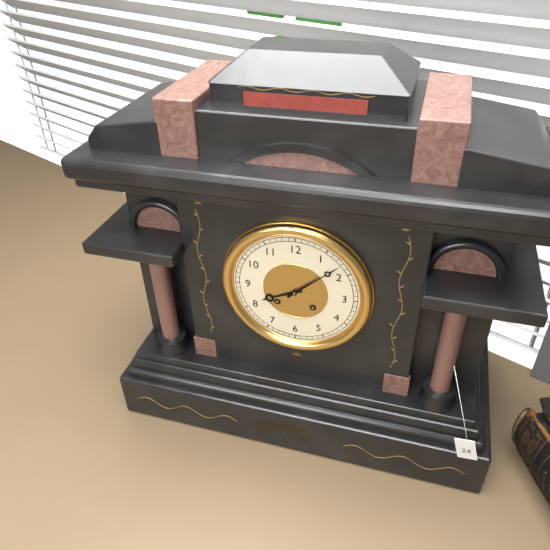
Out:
8 h 08 min
